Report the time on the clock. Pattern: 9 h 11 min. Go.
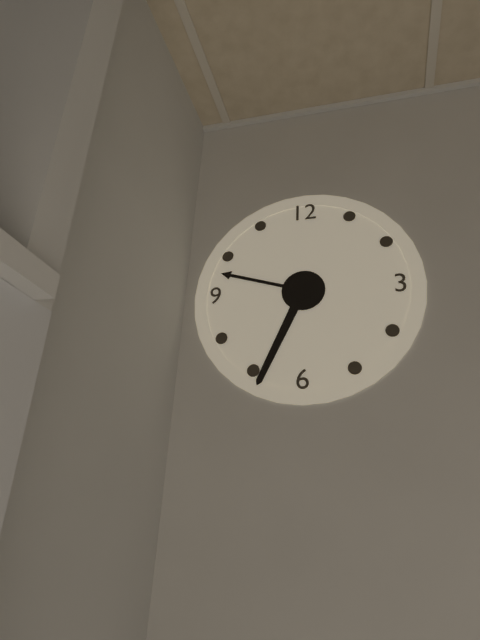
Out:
9 h 34 min
